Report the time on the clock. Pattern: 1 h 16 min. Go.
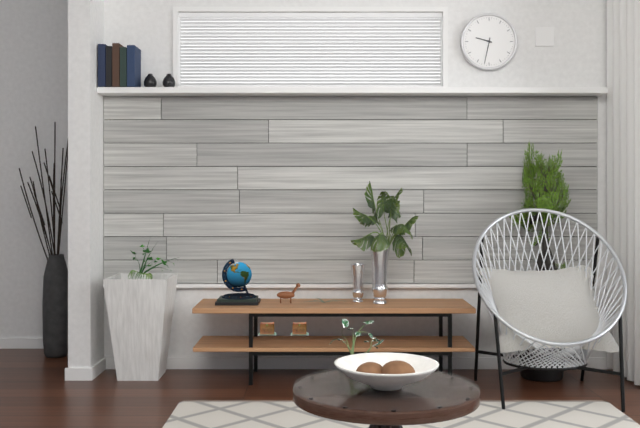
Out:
9 h 32 min
